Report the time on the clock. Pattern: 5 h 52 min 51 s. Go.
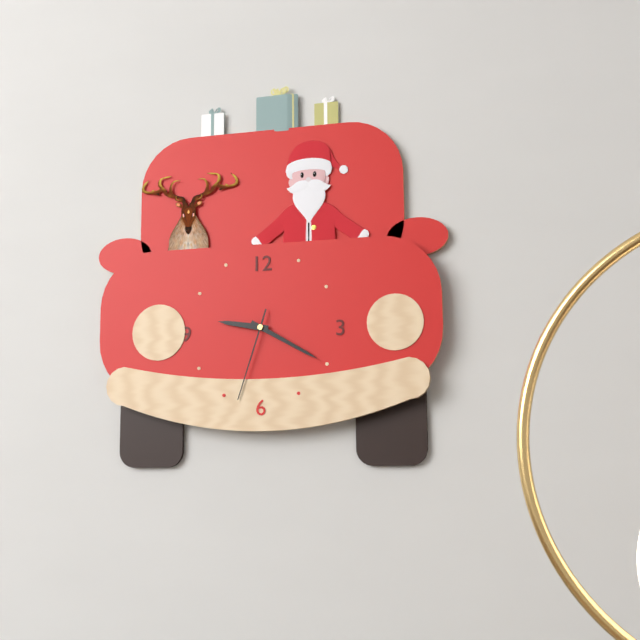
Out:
9 h 20 min 33 s
